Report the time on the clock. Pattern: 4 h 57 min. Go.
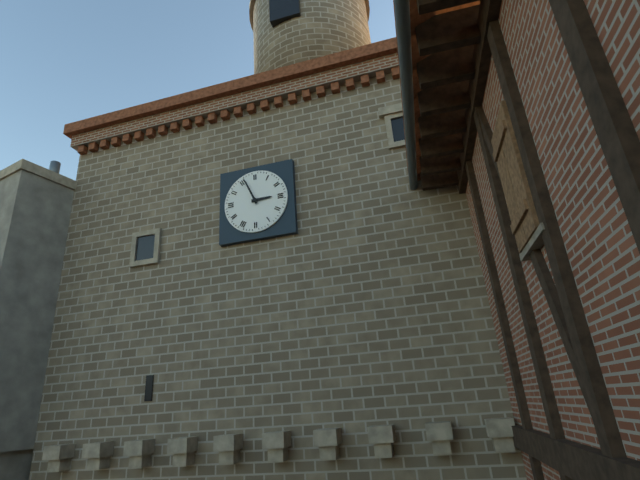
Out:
2 h 56 min
